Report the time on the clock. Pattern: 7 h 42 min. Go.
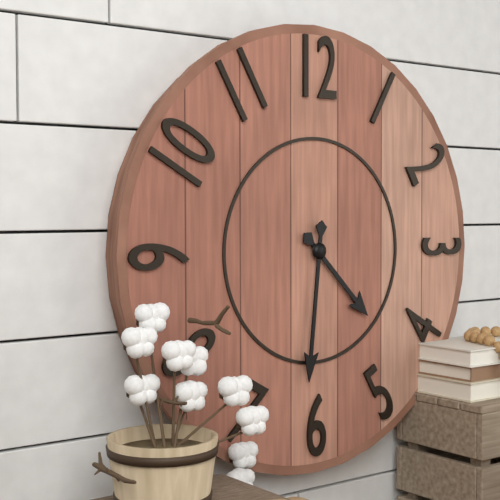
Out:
4 h 31 min
